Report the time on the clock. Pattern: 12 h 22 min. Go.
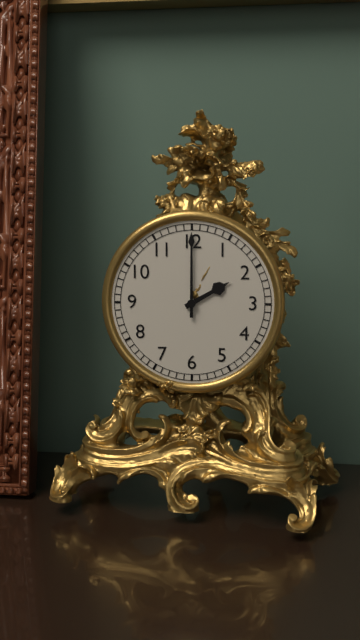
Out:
2 h 00 min
